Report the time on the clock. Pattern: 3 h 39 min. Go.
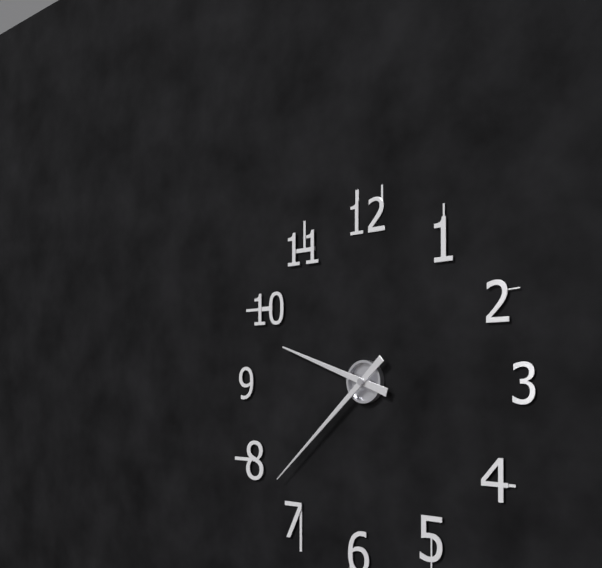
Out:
9 h 38 min
